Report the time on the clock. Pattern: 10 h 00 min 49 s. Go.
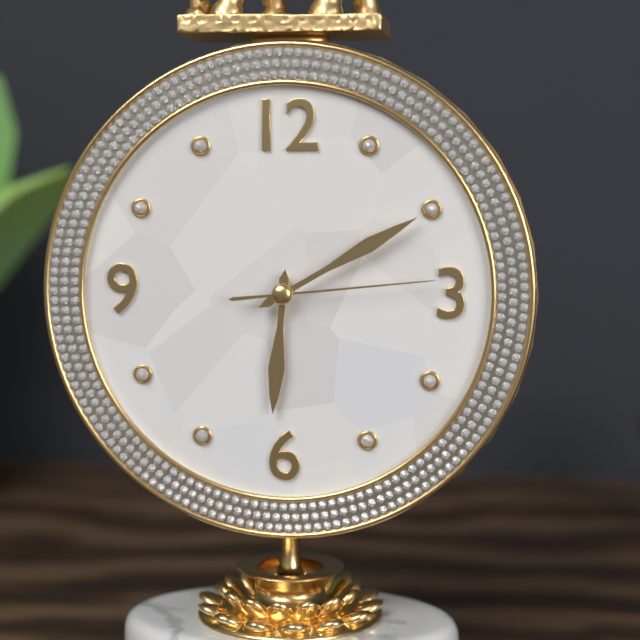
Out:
6 h 10 min 14 s
